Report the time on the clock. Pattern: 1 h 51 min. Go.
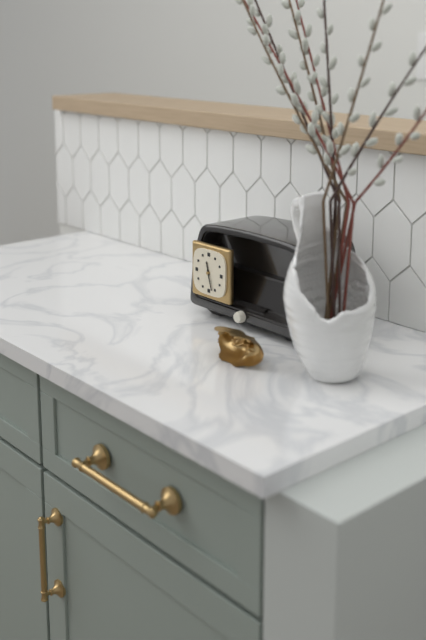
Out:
11 h 27 min
